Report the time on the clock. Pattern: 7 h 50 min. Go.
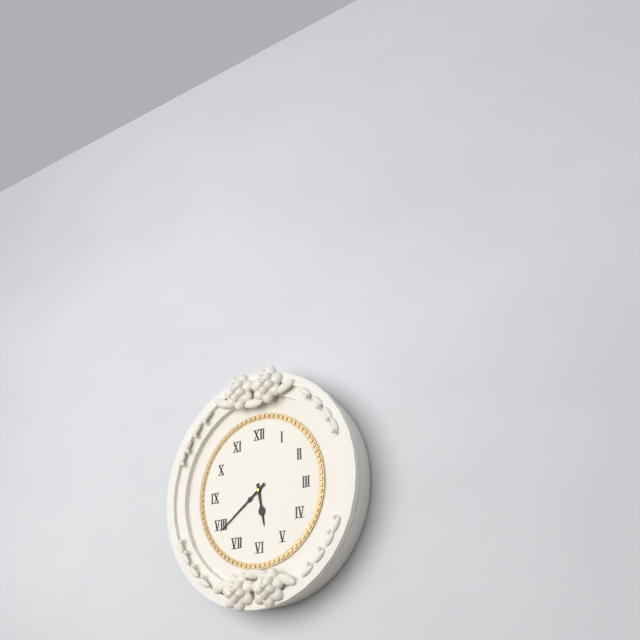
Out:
5 h 39 min
